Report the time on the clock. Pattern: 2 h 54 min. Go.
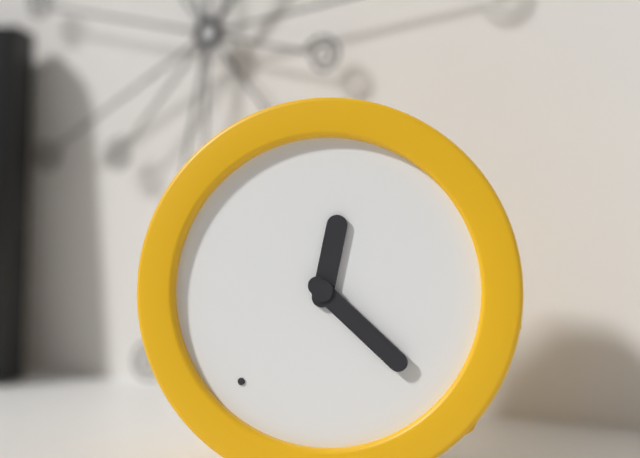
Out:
12 h 22 min
